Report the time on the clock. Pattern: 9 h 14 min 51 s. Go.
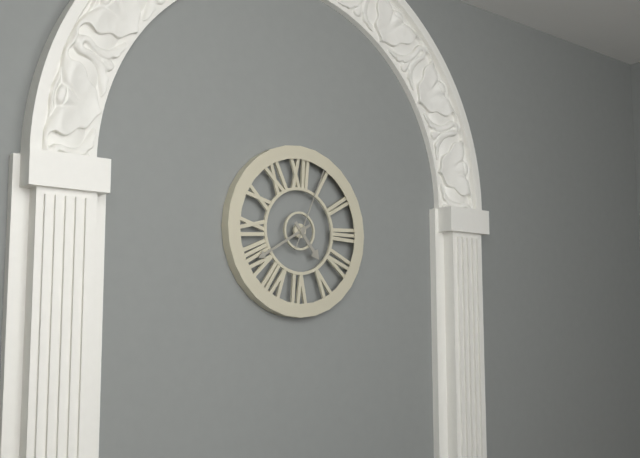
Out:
4 h 40 min 04 s
